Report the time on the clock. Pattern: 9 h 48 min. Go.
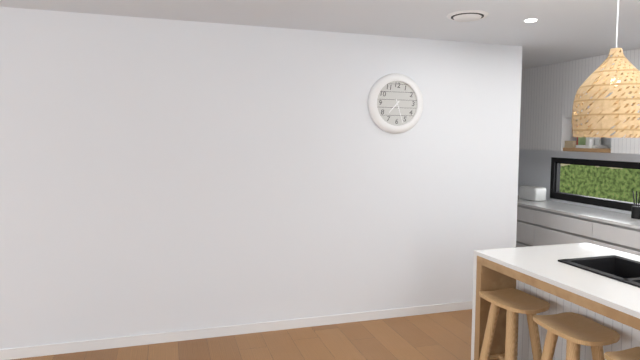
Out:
7 h 27 min
